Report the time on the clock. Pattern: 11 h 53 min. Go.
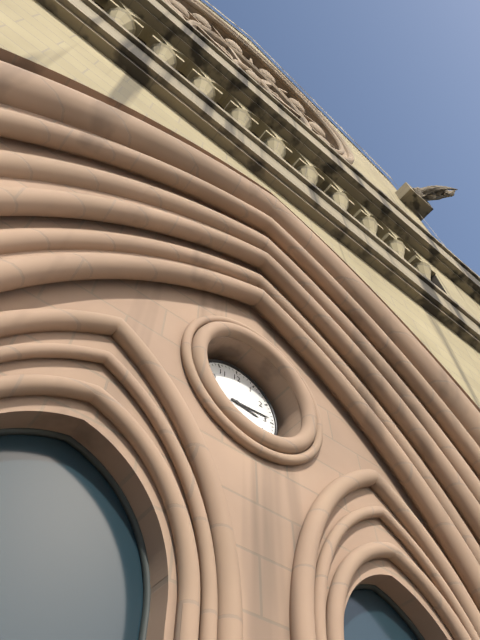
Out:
3 h 14 min
